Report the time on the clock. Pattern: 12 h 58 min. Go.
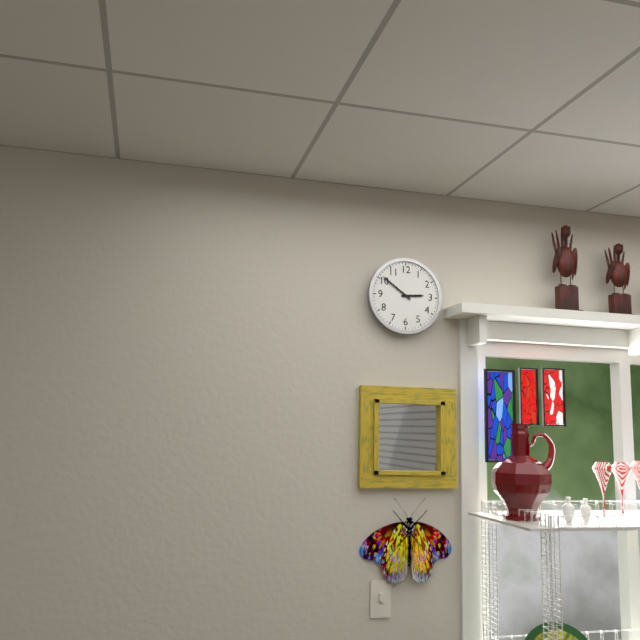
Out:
2 h 51 min
